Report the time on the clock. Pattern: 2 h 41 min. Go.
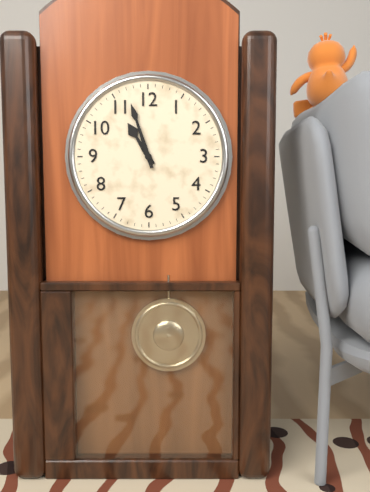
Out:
10 h 57 min
